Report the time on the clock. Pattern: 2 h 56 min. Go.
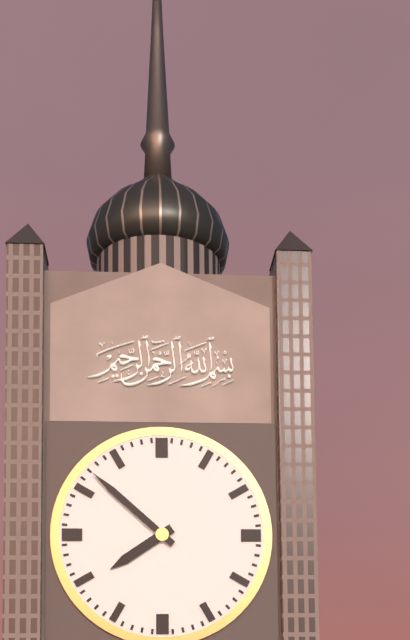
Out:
7 h 52 min
